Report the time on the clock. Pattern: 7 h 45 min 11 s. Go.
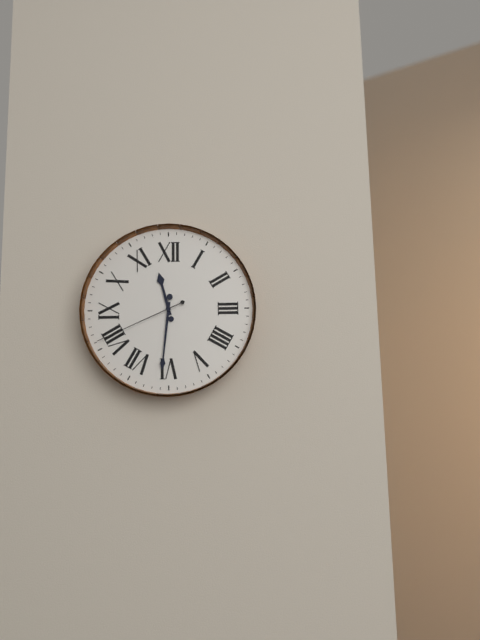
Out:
11 h 31 min 41 s
